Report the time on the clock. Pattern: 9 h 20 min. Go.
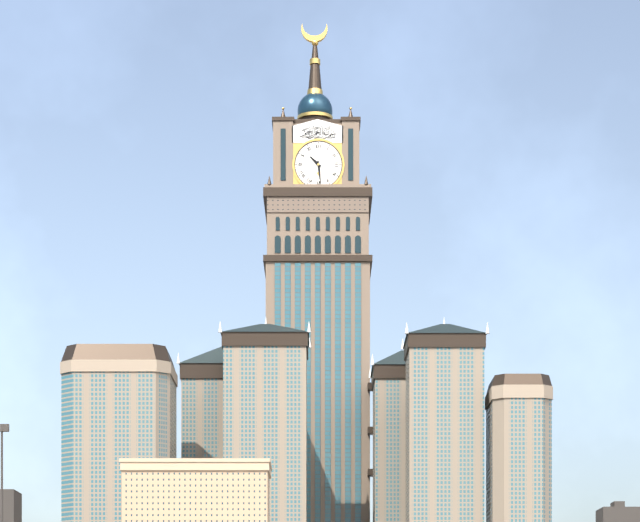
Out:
10 h 29 min
